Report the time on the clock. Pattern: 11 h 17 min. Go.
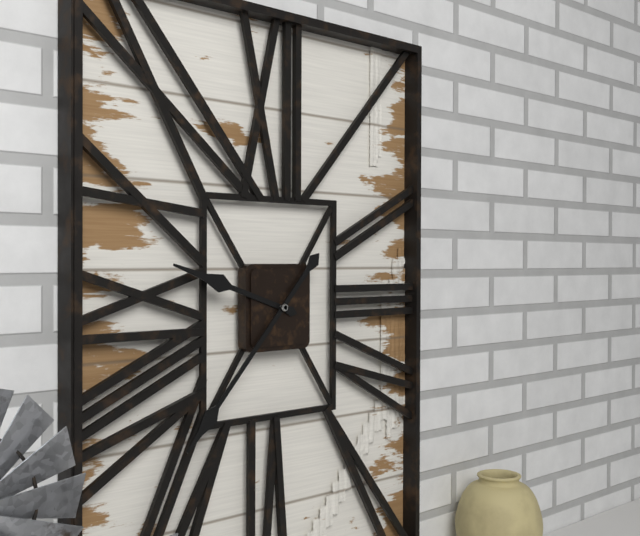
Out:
9 h 37 min
